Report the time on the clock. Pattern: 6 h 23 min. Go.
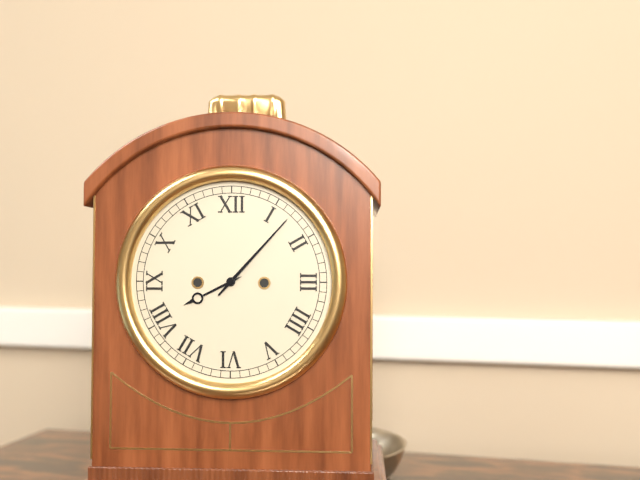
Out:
8 h 07 min
